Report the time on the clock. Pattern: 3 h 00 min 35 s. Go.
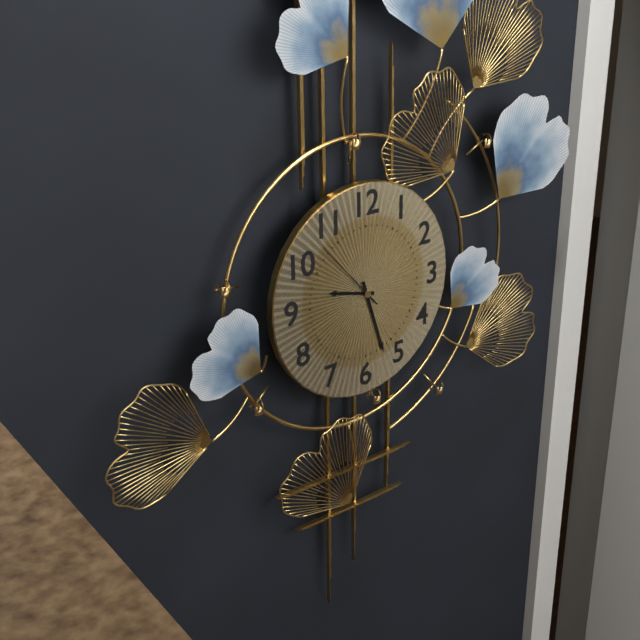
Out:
9 h 27 min 53 s
